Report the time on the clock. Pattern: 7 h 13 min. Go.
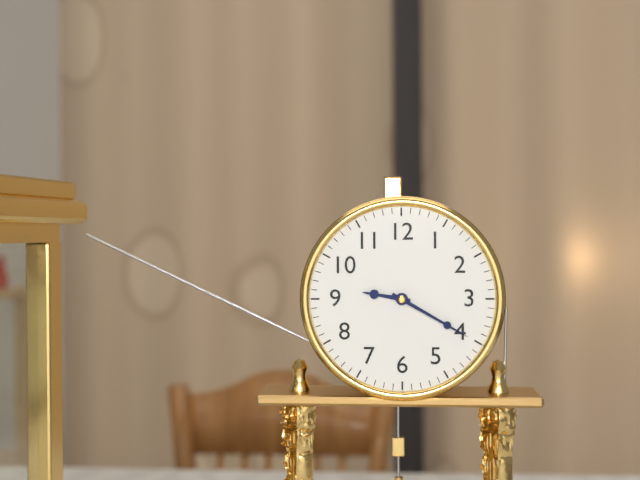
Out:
9 h 20 min
